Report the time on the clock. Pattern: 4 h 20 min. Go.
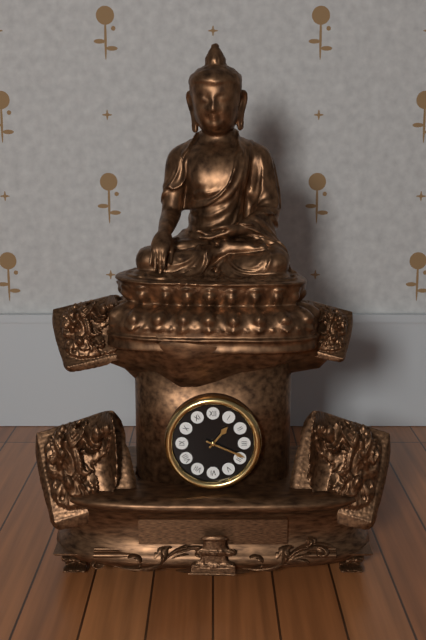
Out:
1 h 19 min
